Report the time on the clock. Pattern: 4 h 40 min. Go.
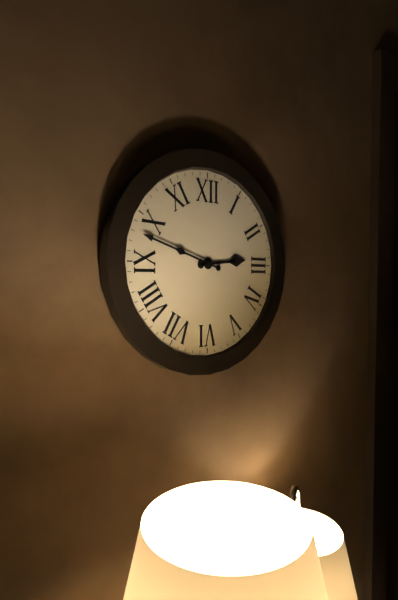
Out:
2 h 48 min
